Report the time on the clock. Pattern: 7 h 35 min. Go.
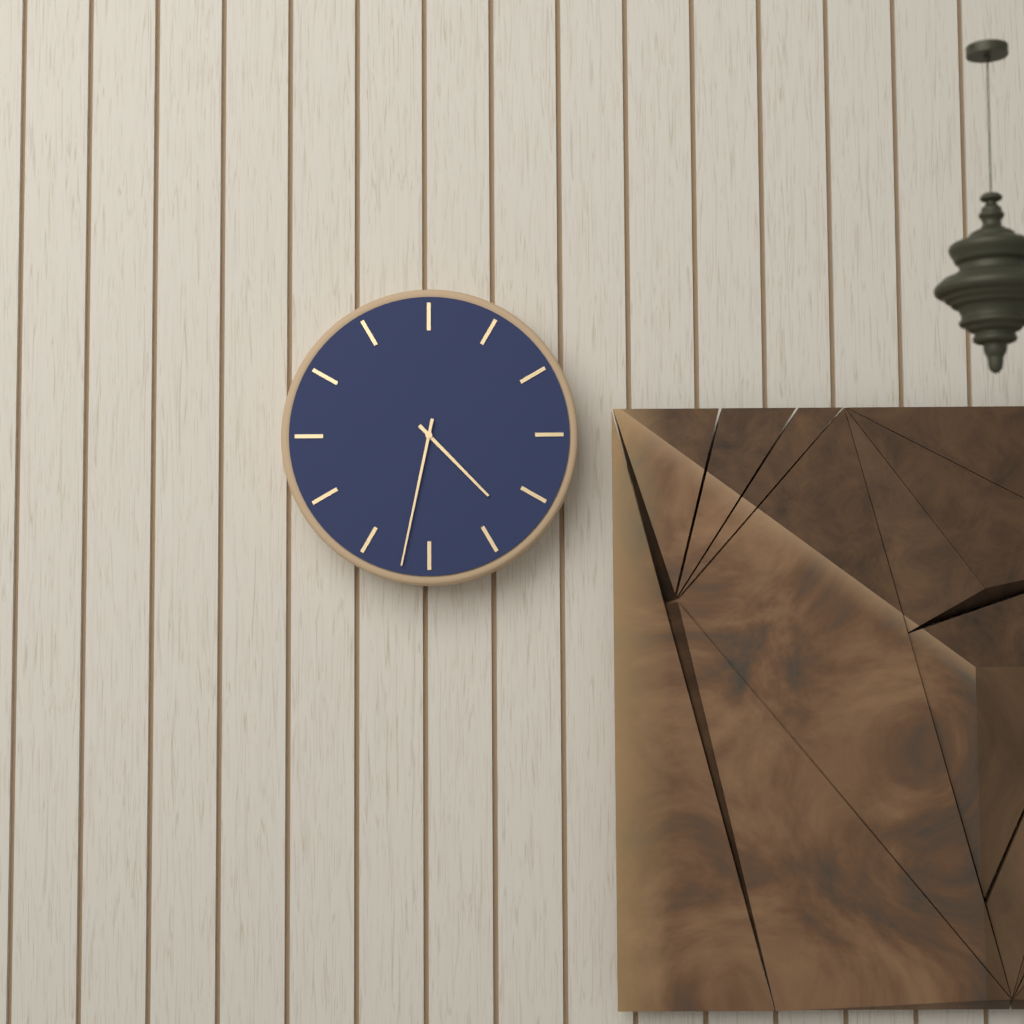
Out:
4 h 32 min
